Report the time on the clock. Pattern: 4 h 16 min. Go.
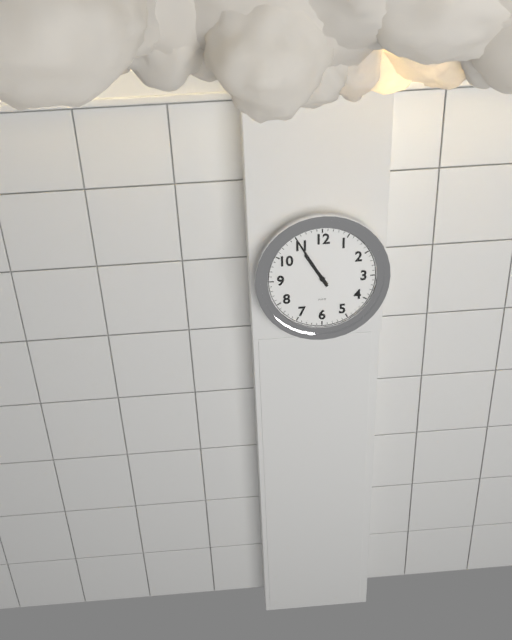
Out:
10 h 55 min
